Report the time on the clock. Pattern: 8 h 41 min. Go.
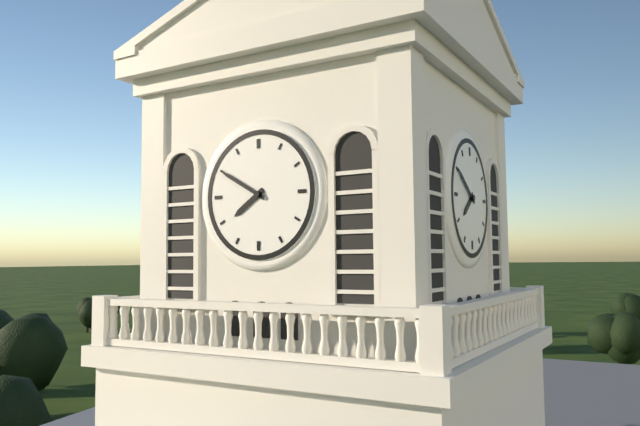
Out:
7 h 50 min
